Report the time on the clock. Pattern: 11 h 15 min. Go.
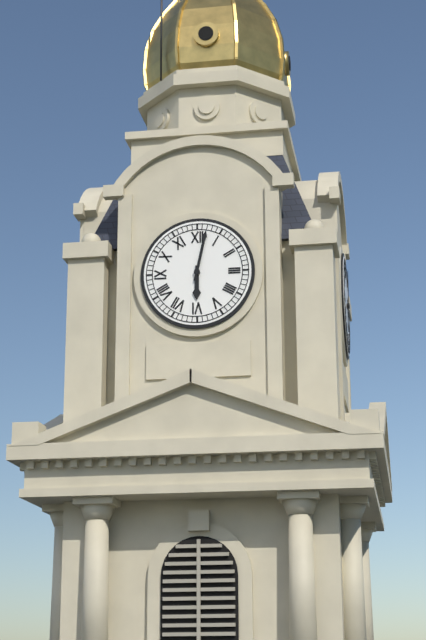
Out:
6 h 02 min
